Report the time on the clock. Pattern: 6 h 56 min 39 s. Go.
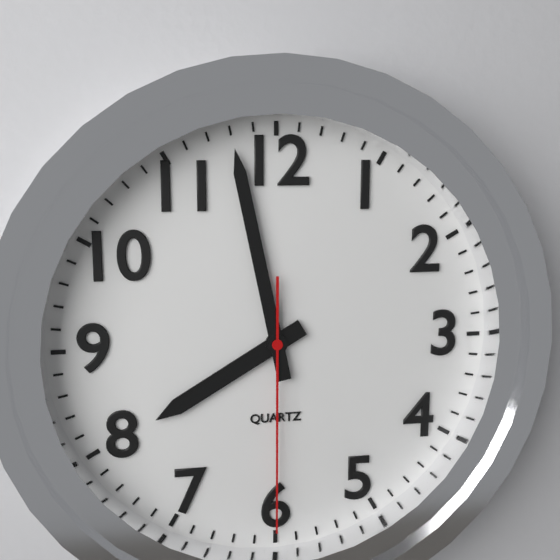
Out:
7 h 58 min 30 s
